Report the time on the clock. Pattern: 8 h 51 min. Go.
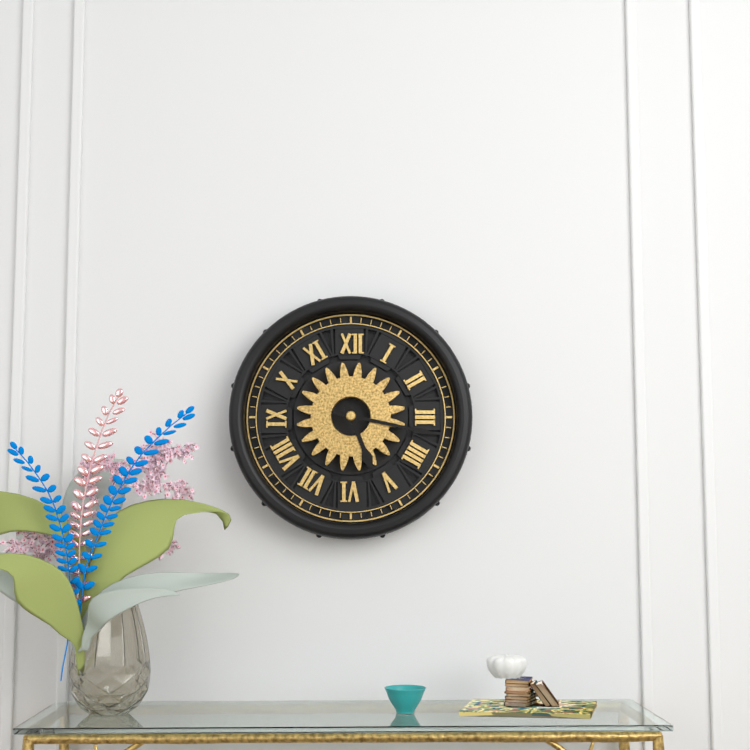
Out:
5 h 17 min
